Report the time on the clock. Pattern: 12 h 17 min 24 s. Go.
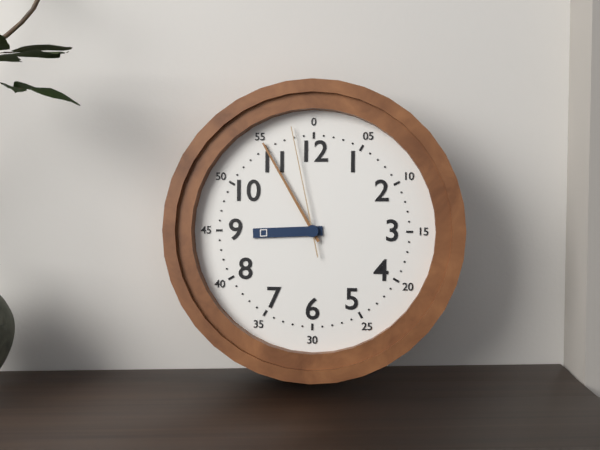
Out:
8 h 55 min 58 s
